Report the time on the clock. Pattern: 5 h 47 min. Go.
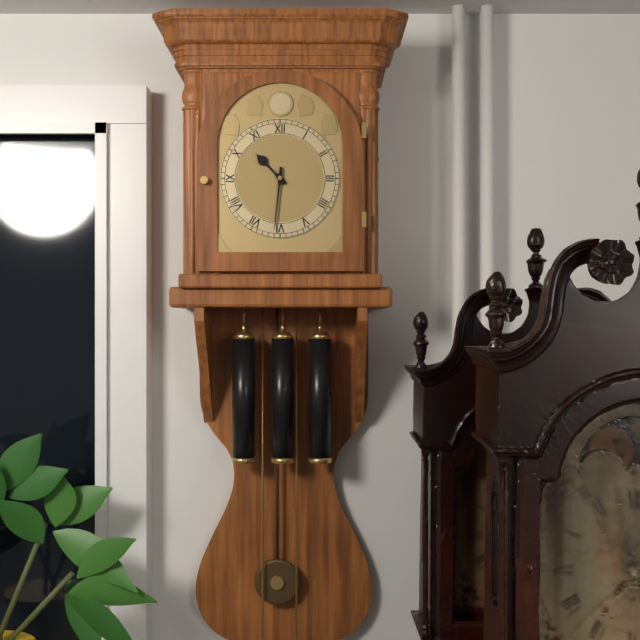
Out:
10 h 31 min
